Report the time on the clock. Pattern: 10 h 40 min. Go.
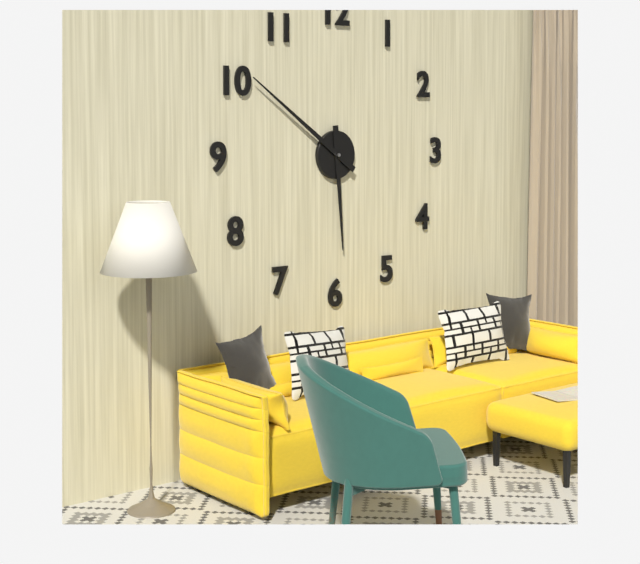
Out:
5 h 51 min
